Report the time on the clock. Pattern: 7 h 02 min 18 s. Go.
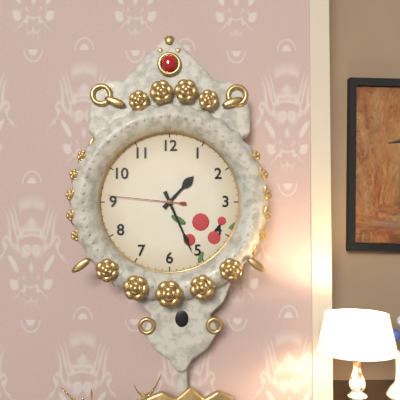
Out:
1 h 26 min 46 s
